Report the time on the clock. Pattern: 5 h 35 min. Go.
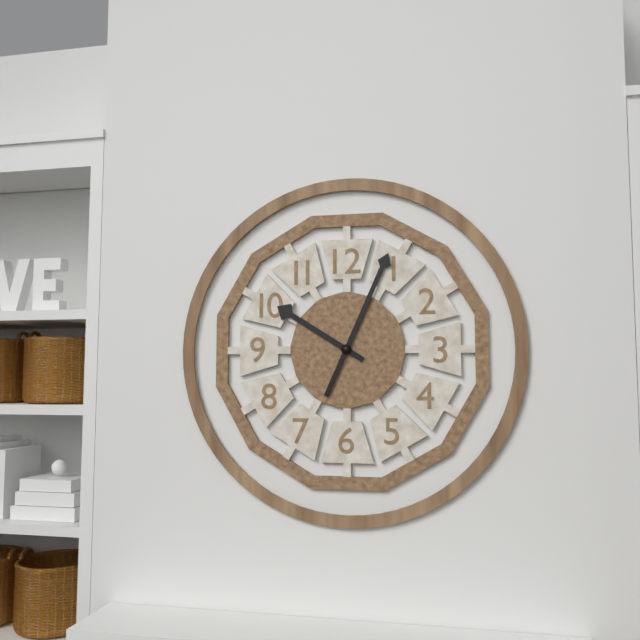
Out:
10 h 04 min
